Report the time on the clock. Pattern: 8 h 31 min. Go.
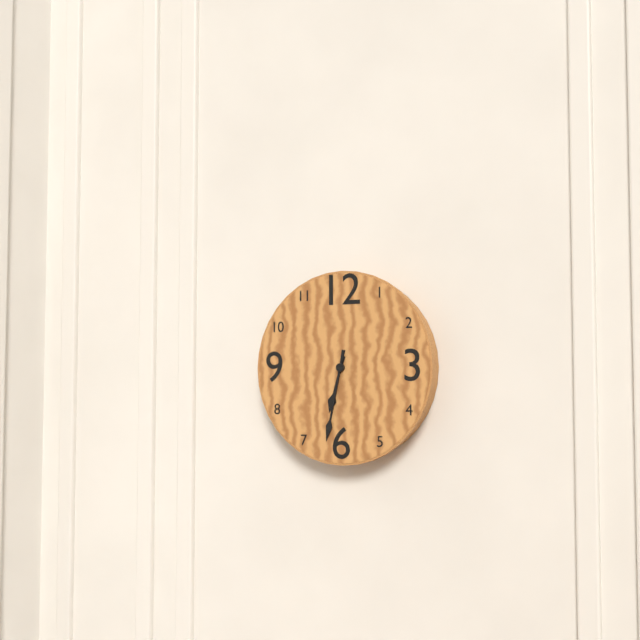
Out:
6 h 32 min
